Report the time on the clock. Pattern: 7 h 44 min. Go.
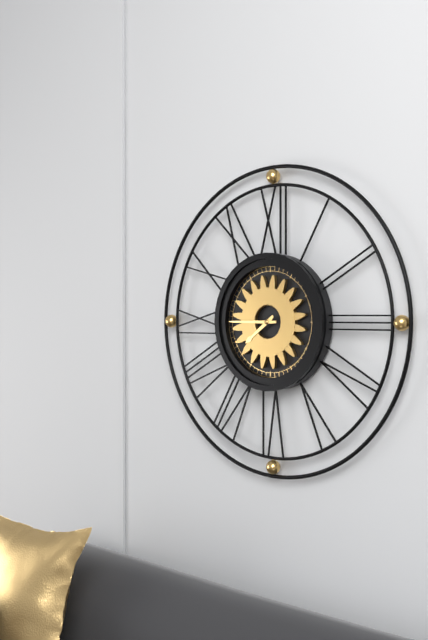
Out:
7 h 45 min
